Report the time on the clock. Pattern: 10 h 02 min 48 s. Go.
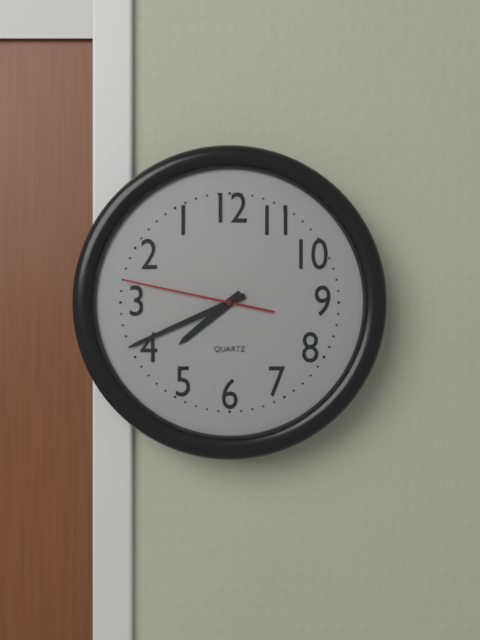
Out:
7 h 41 min 47 s
